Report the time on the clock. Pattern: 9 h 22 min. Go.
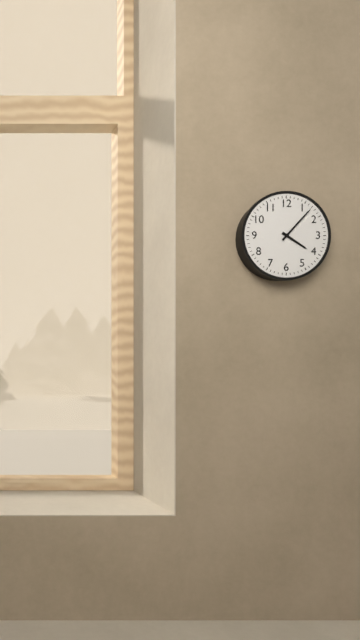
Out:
4 h 07 min
